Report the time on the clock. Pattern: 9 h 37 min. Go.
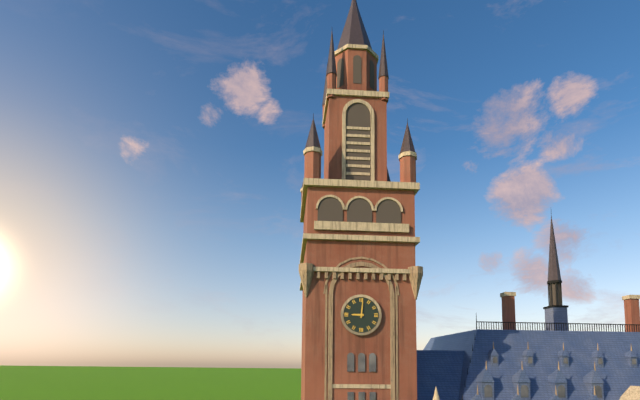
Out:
9 h 01 min
